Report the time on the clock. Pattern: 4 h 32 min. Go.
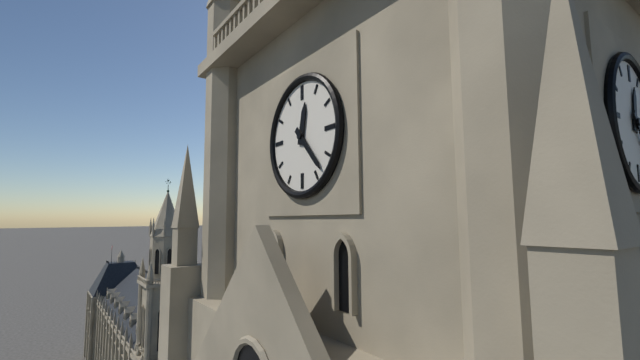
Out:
12 h 23 min
